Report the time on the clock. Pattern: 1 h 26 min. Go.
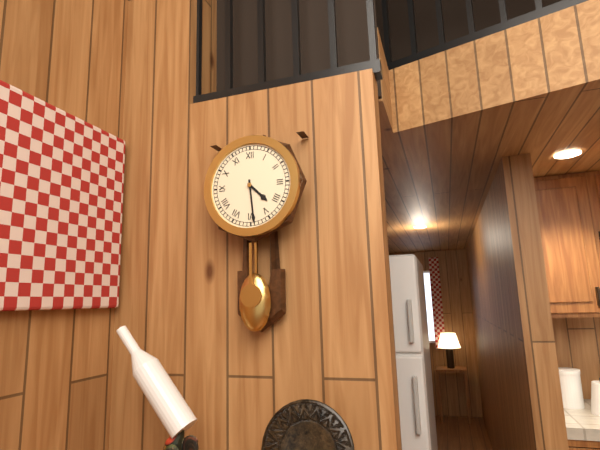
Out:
4 h 29 min
